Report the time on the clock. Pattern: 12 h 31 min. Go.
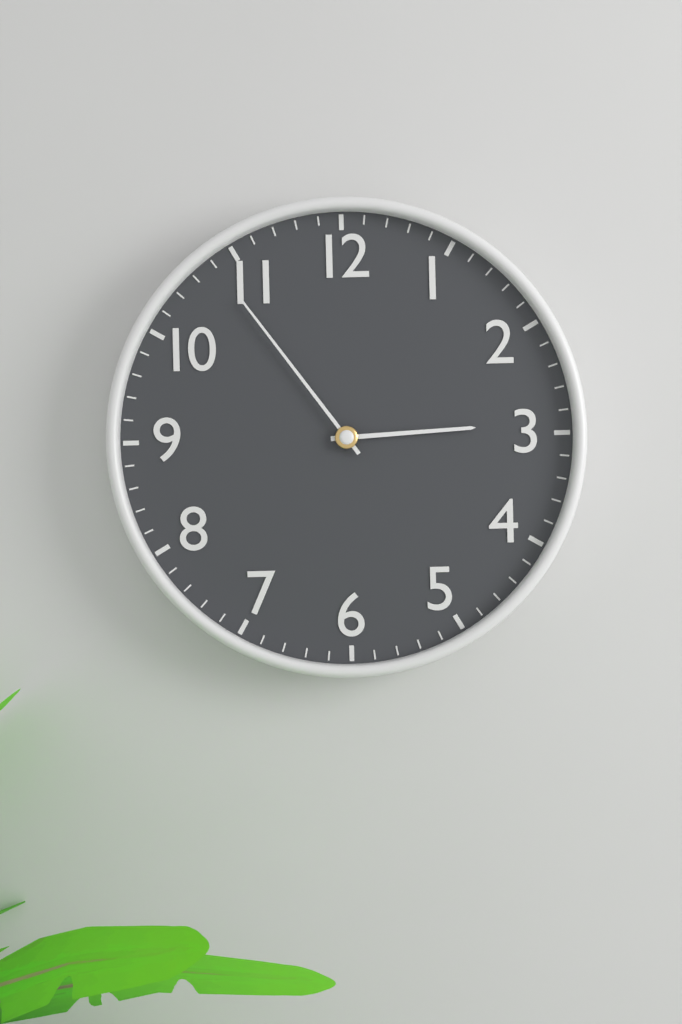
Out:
2 h 54 min
